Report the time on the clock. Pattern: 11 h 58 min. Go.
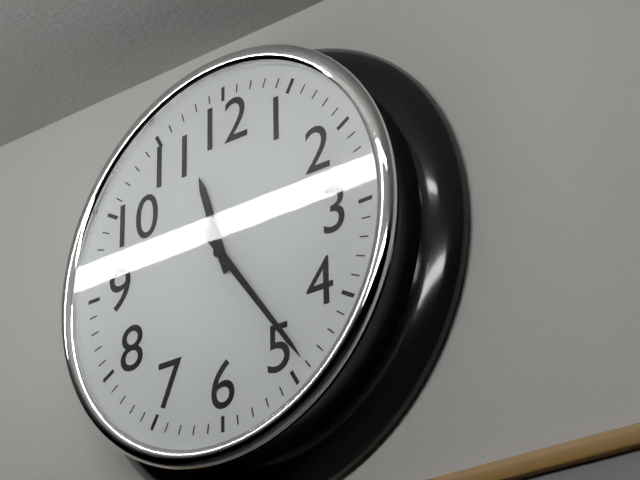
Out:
11 h 24 min
